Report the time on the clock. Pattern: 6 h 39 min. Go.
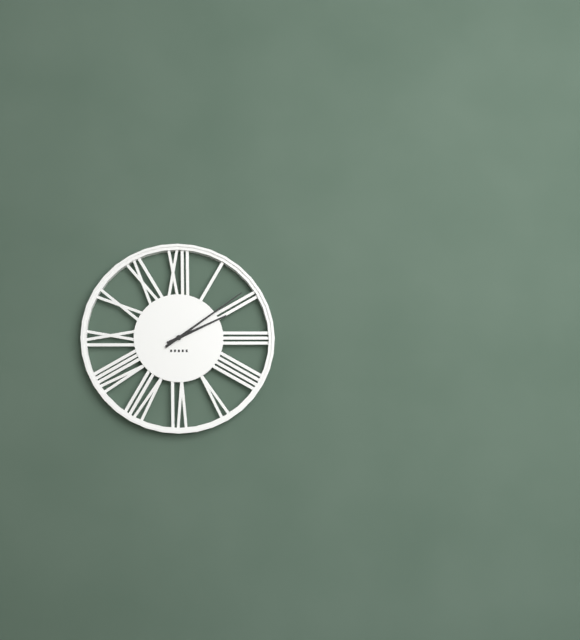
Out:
2 h 09 min
